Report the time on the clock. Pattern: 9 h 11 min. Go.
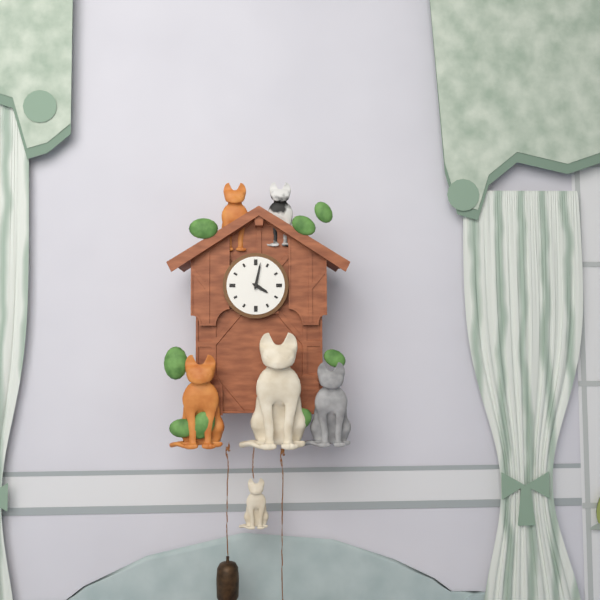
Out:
4 h 02 min
